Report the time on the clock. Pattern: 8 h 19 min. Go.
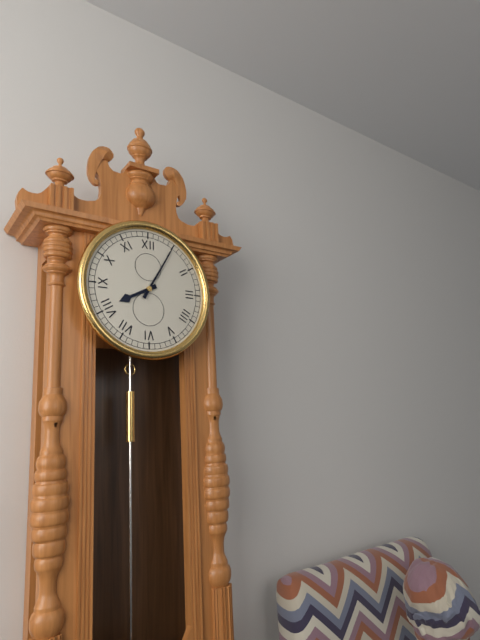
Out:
8 h 05 min
